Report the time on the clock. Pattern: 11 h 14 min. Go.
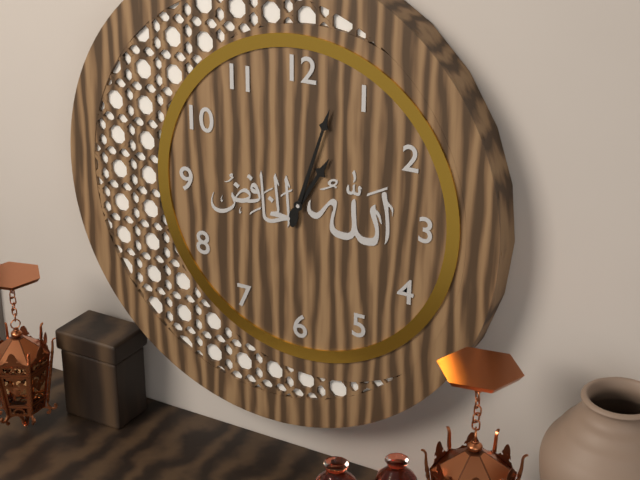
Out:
1 h 03 min
